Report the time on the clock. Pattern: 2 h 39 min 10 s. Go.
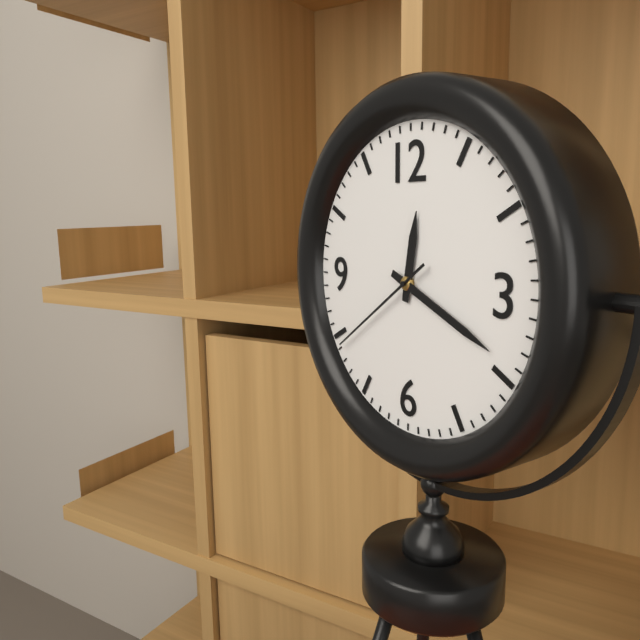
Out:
12 h 19 min 39 s
